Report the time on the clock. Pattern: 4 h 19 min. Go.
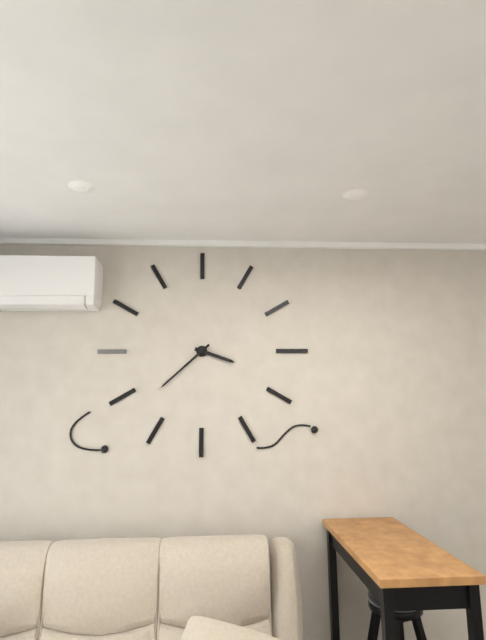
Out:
3 h 38 min
